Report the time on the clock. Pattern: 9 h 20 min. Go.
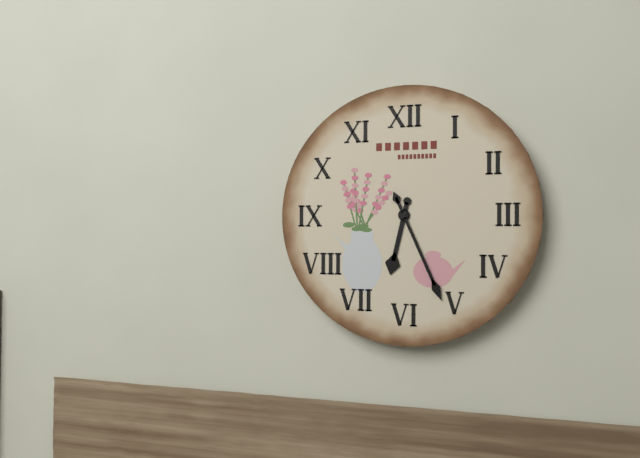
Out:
6 h 26 min
